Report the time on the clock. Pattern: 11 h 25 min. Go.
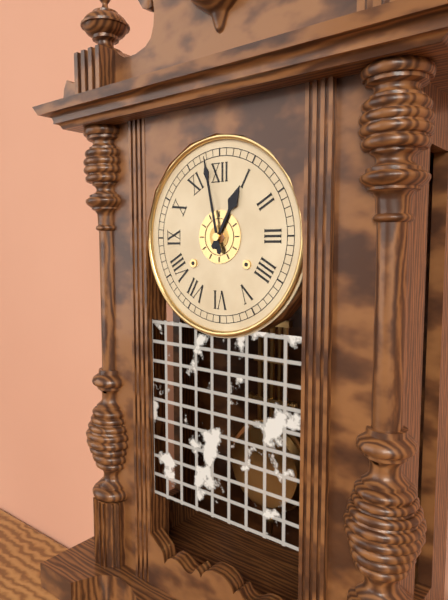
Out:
12 h 58 min
